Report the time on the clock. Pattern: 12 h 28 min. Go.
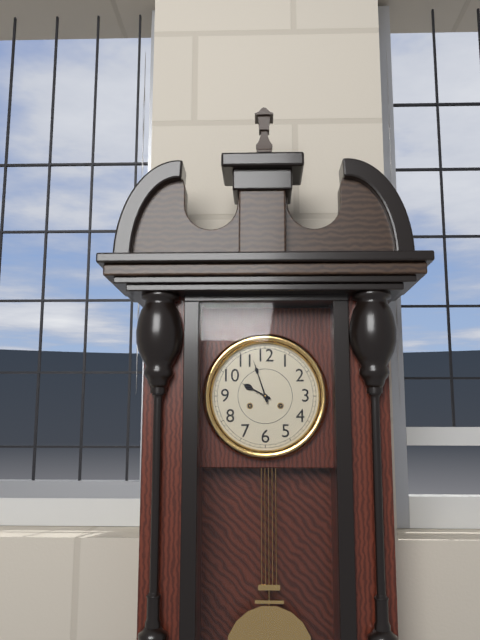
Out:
9 h 57 min
